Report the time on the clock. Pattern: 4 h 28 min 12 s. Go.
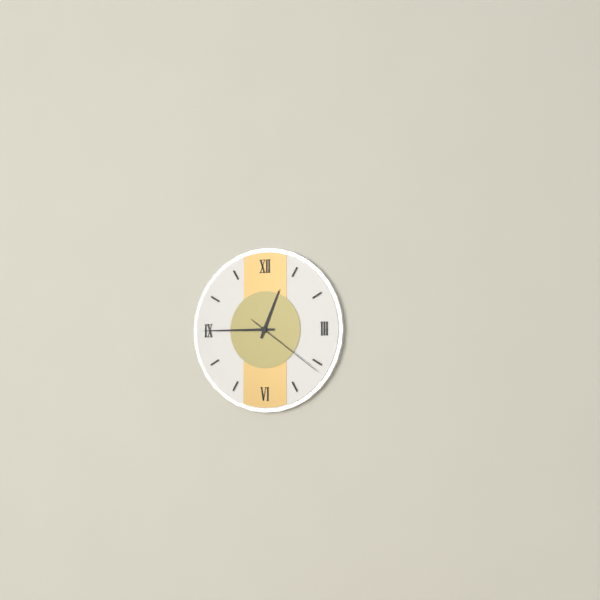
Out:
12 h 45 min 21 s
